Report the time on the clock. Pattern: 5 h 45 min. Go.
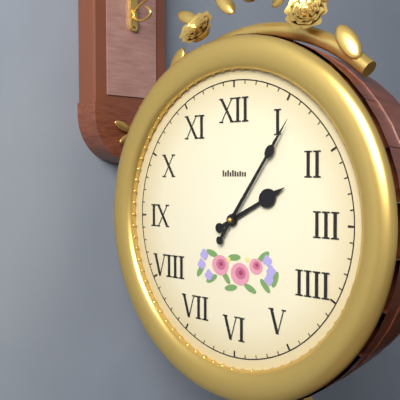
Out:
2 h 06 min
